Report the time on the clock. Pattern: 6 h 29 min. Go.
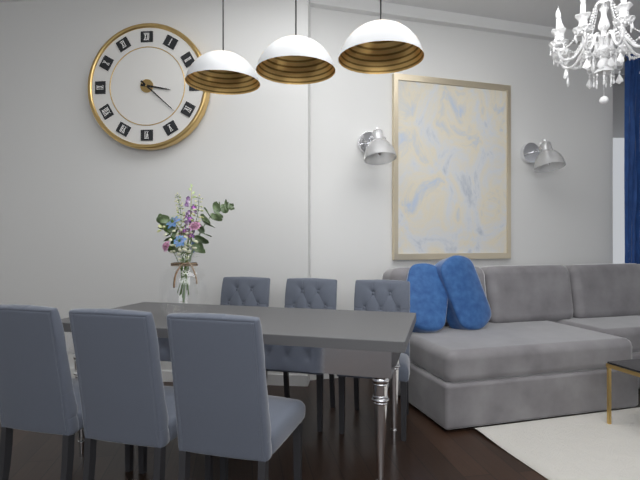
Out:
3 h 22 min
